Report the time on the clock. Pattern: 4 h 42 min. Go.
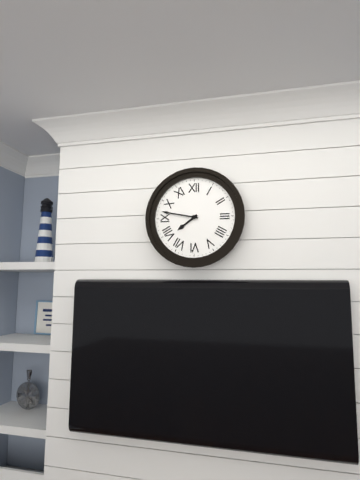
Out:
7 h 47 min
